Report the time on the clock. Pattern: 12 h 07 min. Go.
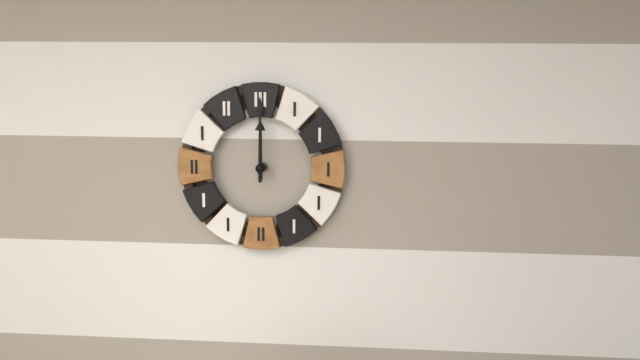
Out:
12 h 00 min
